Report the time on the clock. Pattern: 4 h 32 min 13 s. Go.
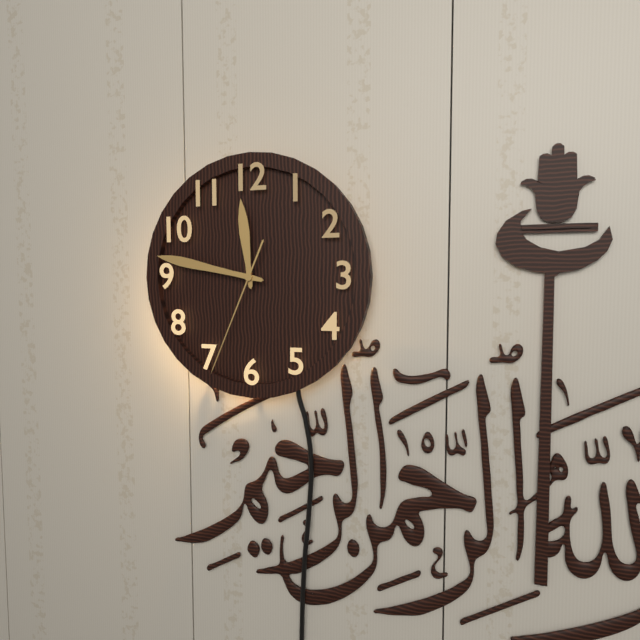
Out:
11 h 47 min 34 s
